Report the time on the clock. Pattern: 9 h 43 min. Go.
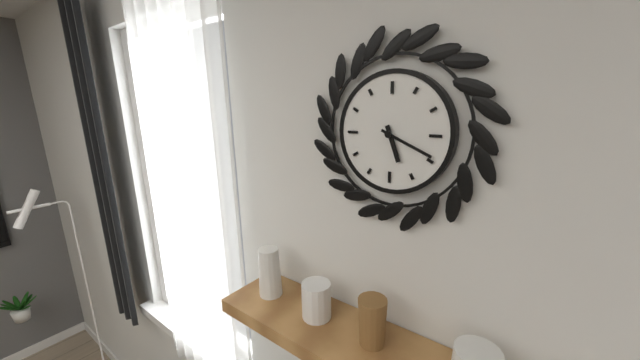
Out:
5 h 19 min
